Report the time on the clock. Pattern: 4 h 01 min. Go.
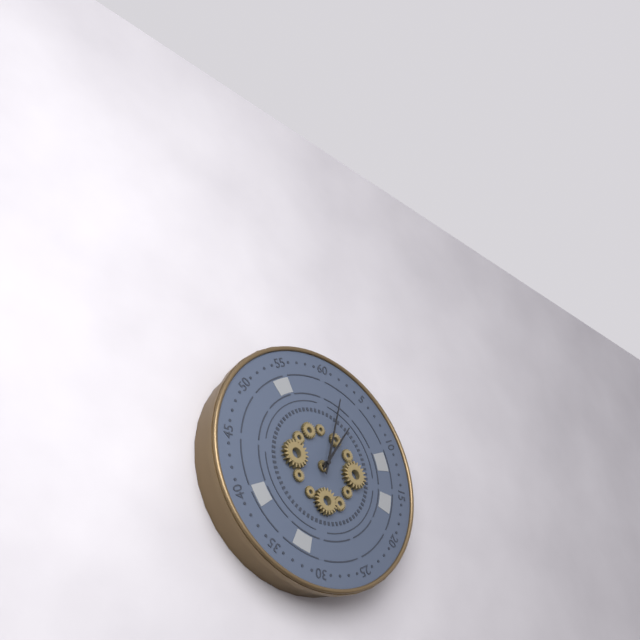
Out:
1 h 02 min
